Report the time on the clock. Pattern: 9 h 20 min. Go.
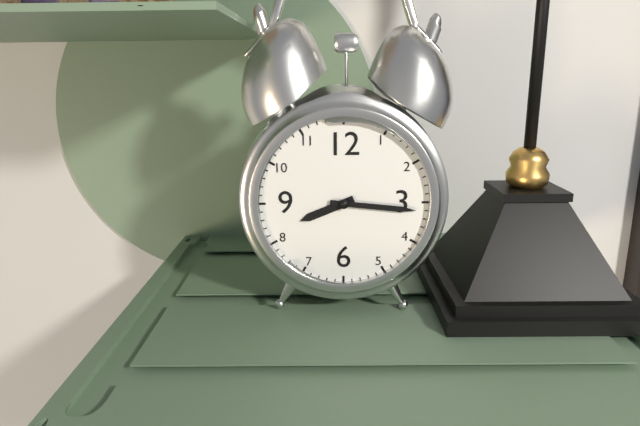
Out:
8 h 16 min
